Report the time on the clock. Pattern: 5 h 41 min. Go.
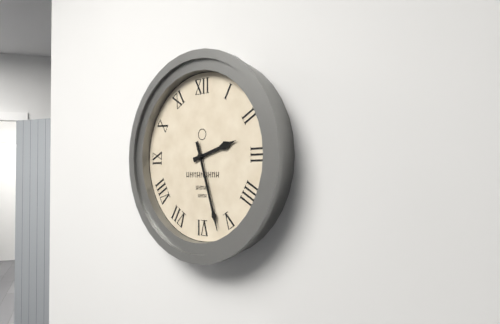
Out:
2 h 27 min
